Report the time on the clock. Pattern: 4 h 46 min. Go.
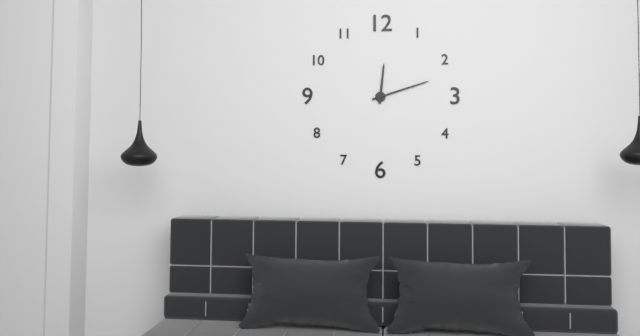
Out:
12 h 12 min
